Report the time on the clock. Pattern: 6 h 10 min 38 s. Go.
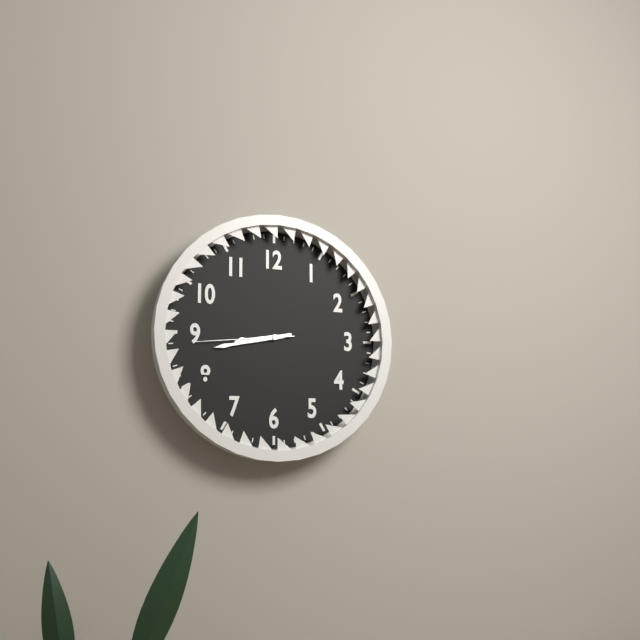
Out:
8 h 43 min 44 s
